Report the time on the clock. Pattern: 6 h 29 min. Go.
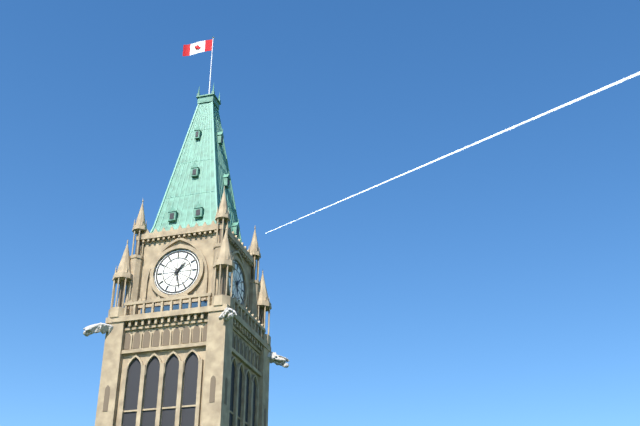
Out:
1 h 28 min
